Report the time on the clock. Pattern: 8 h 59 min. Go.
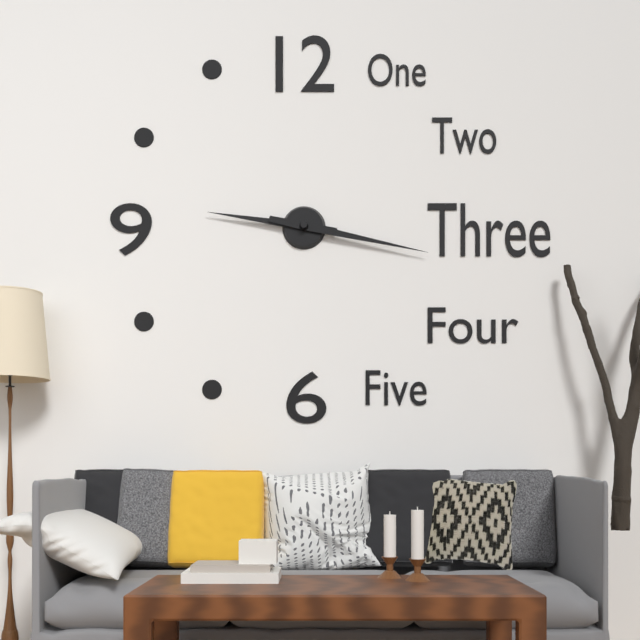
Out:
9 h 17 min
